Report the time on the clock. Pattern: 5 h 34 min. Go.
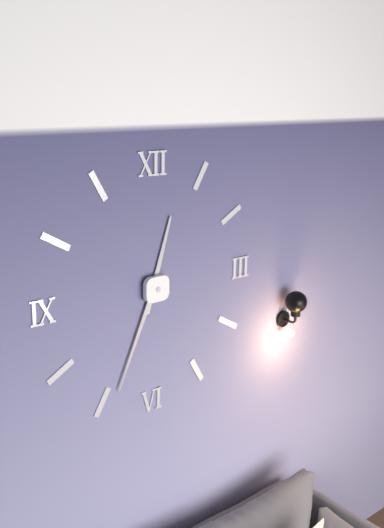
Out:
12 h 34 min
